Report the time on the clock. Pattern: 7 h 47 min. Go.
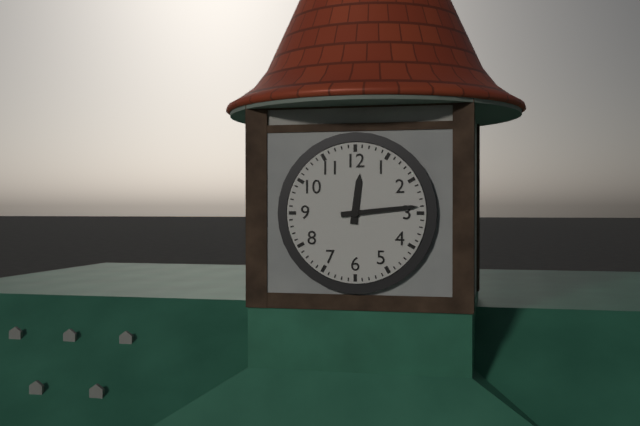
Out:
12 h 14 min
